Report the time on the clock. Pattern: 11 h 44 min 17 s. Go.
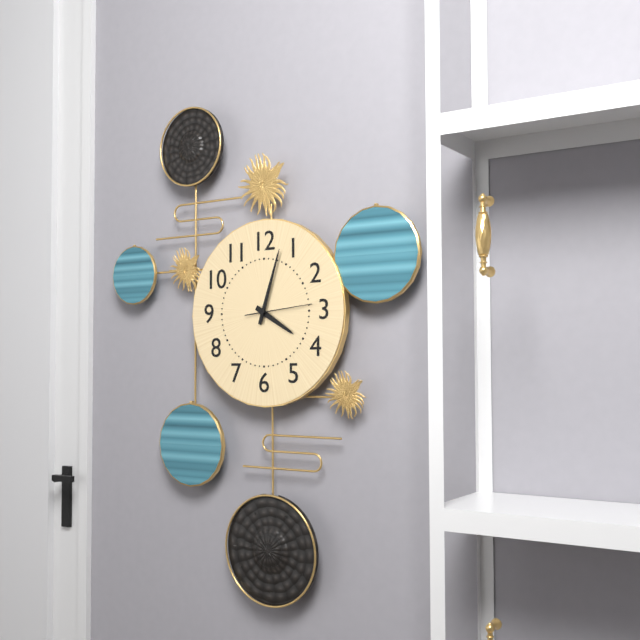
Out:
4 h 03 min 14 s
